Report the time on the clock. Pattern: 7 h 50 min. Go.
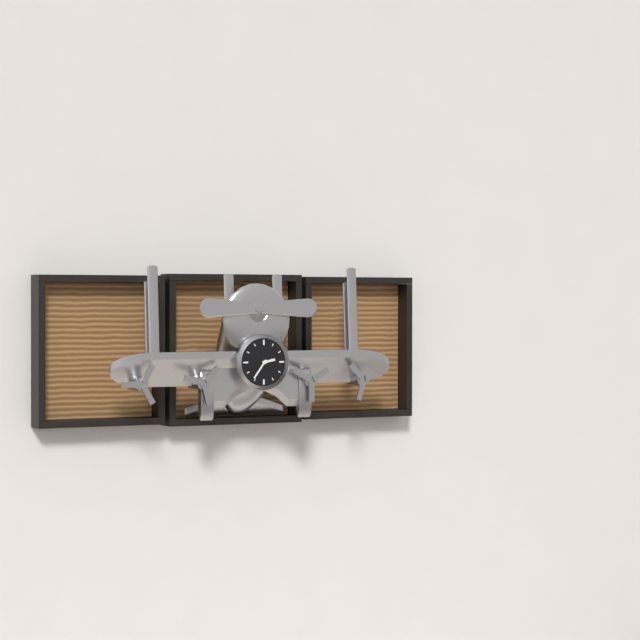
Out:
2 h 36 min
